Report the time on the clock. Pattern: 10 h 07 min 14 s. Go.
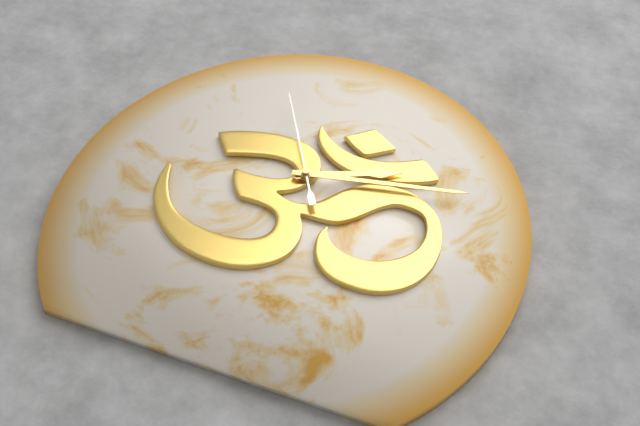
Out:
2 h 13 min 55 s
